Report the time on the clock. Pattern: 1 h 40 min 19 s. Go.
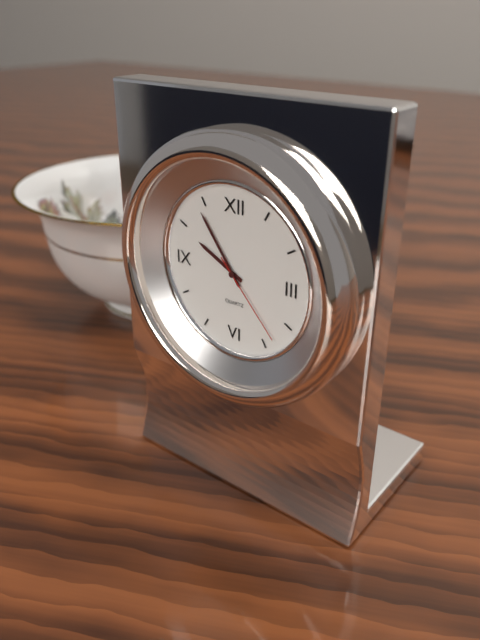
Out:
9 h 54 min 23 s
